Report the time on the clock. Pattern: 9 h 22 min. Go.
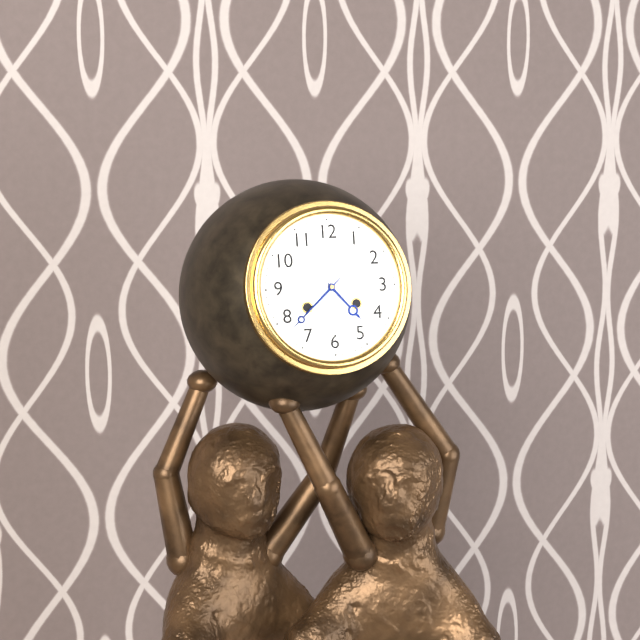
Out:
4 h 38 min
